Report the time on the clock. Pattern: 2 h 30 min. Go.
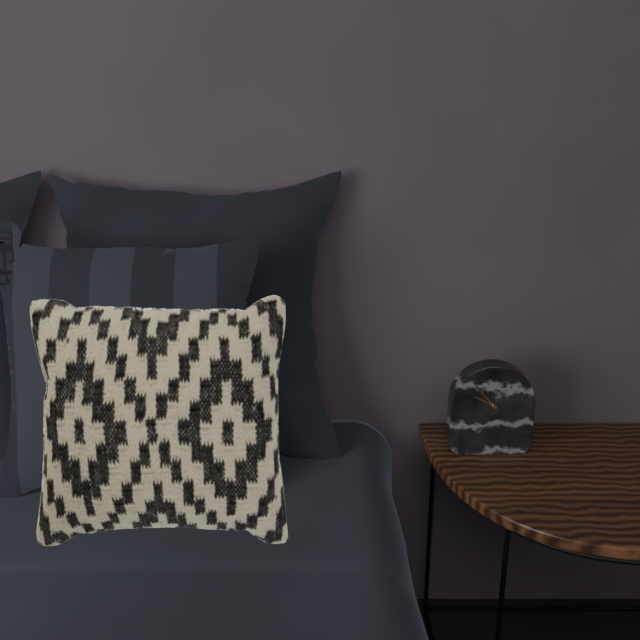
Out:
9 h 53 min
